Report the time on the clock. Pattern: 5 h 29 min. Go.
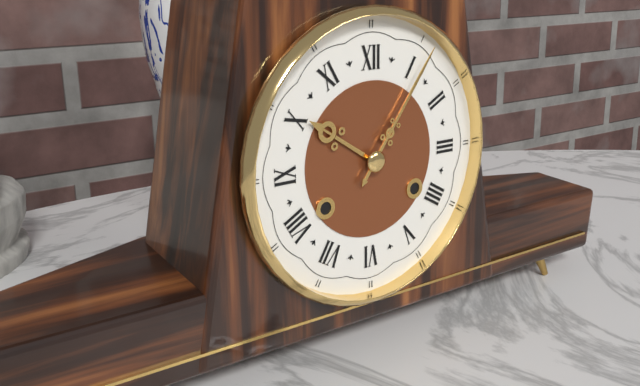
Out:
10 h 06 min
